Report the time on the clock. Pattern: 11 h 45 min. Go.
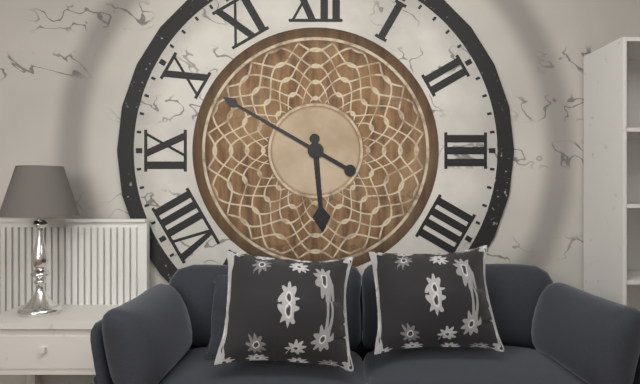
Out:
5 h 50 min
